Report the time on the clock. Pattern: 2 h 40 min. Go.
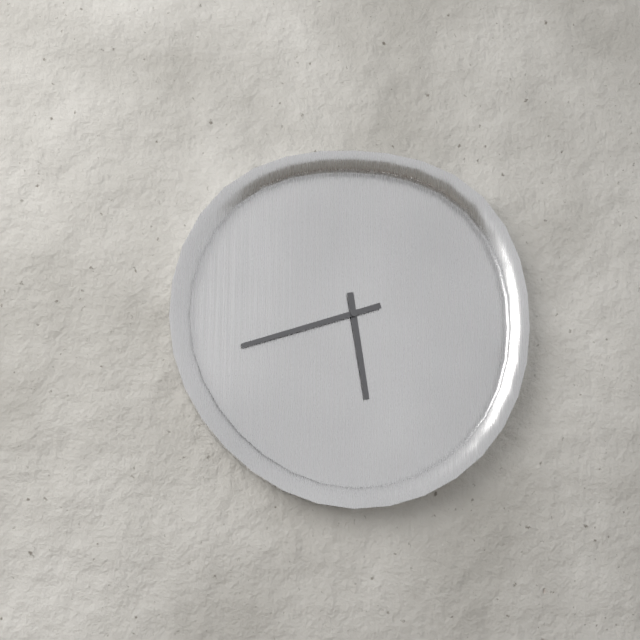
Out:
5 h 42 min
